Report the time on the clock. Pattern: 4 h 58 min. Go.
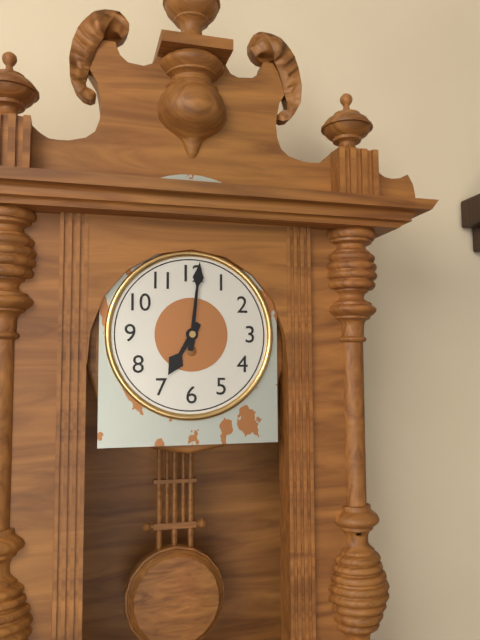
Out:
7 h 01 min
